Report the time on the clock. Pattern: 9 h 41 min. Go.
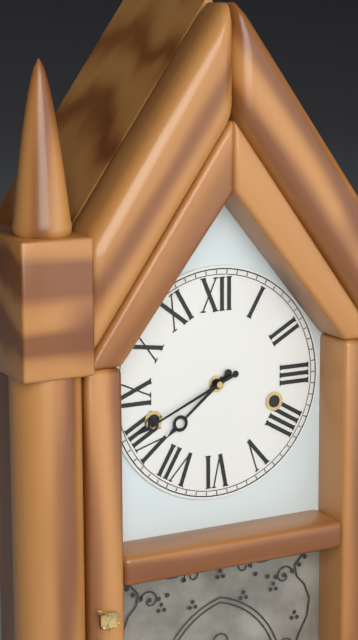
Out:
7 h 41 min
